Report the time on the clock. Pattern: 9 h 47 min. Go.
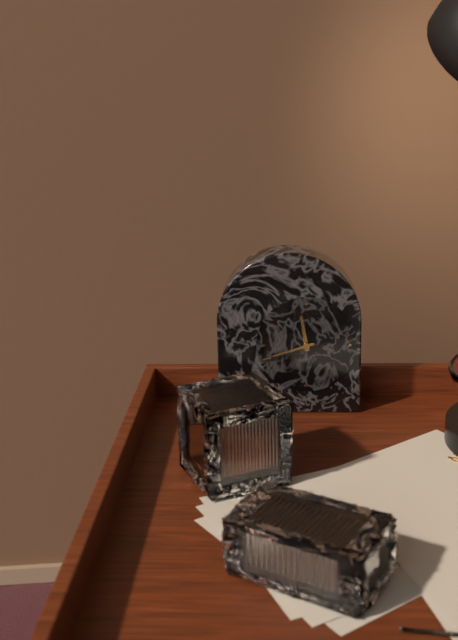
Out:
11 h 42 min
